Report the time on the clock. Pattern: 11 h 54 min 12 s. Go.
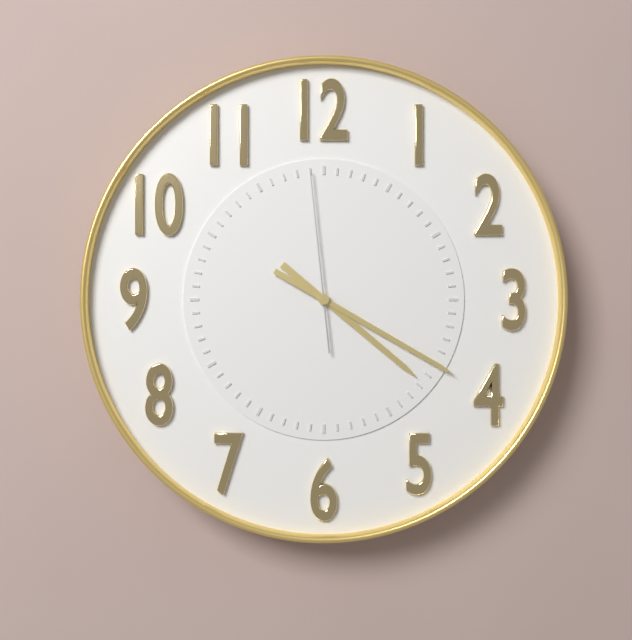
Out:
4 h 20 min 59 s
